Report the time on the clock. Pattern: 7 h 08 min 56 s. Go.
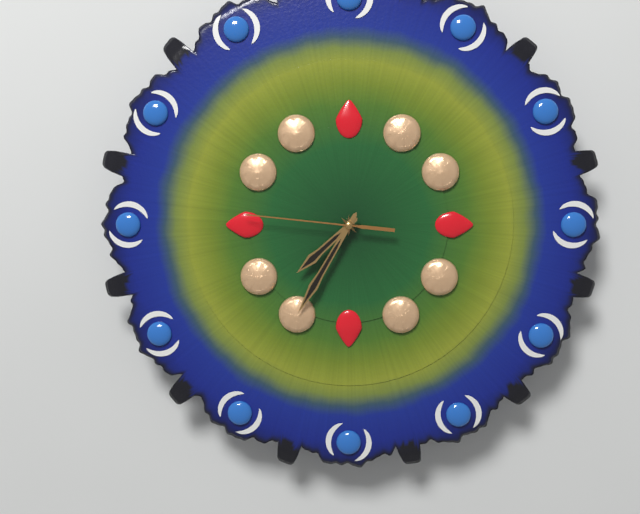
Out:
7 h 35 min 46 s
